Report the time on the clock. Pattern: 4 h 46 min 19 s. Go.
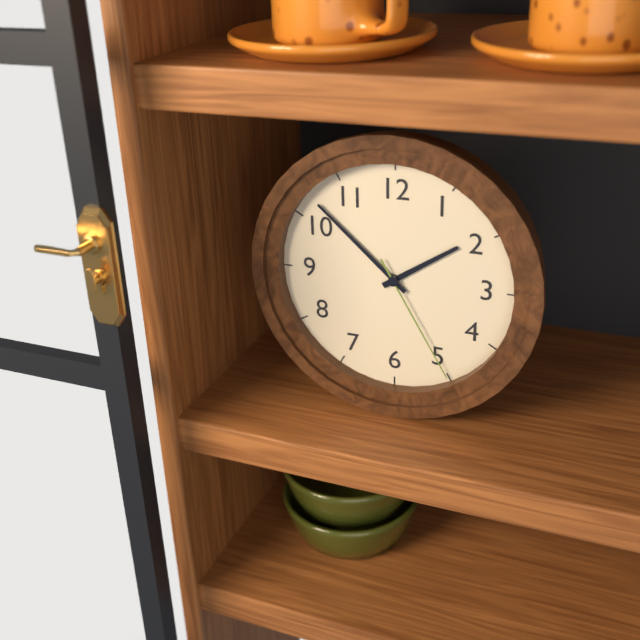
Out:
1 h 52 min 25 s
